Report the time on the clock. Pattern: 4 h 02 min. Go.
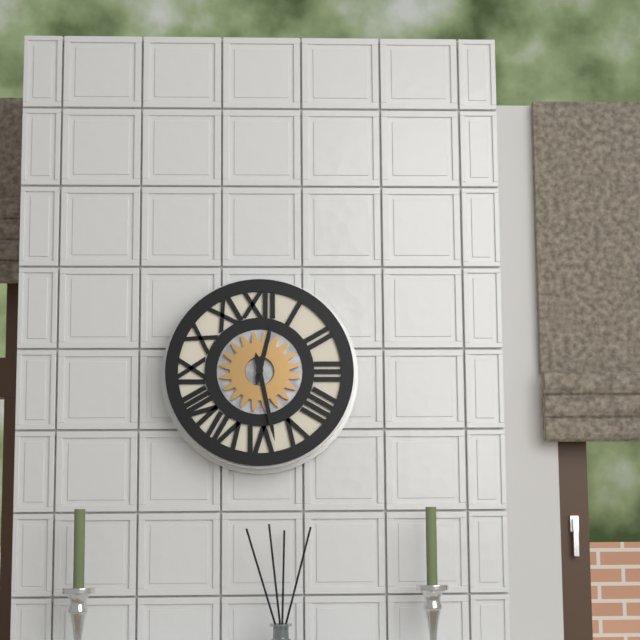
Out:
12 h 28 min
